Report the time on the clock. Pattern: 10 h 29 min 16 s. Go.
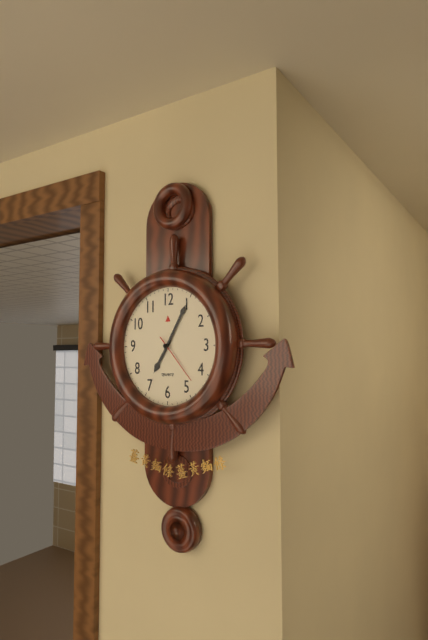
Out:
7 h 05 min 23 s
